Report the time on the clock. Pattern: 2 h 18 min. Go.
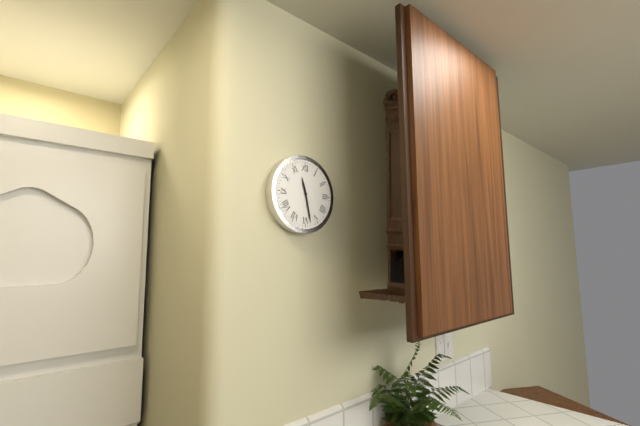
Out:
11 h 28 min
